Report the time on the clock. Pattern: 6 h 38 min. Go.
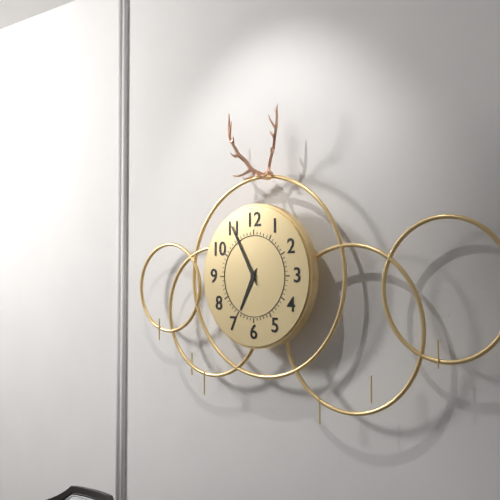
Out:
6 h 55 min
